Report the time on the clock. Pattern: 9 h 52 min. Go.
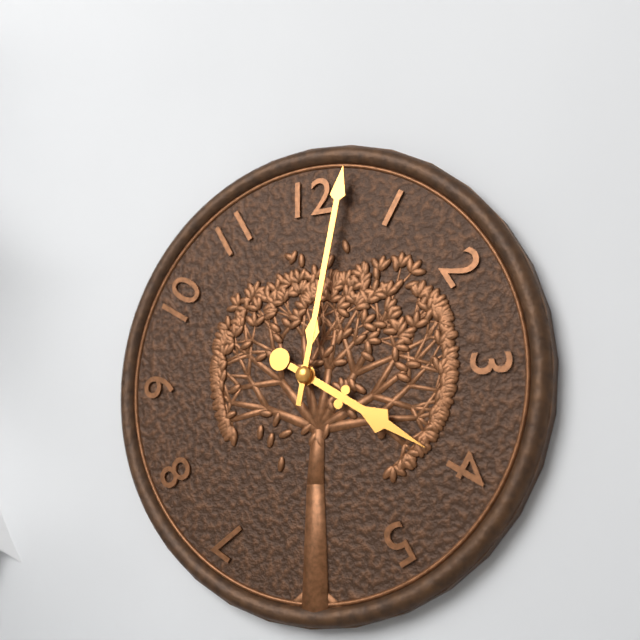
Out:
4 h 02 min
